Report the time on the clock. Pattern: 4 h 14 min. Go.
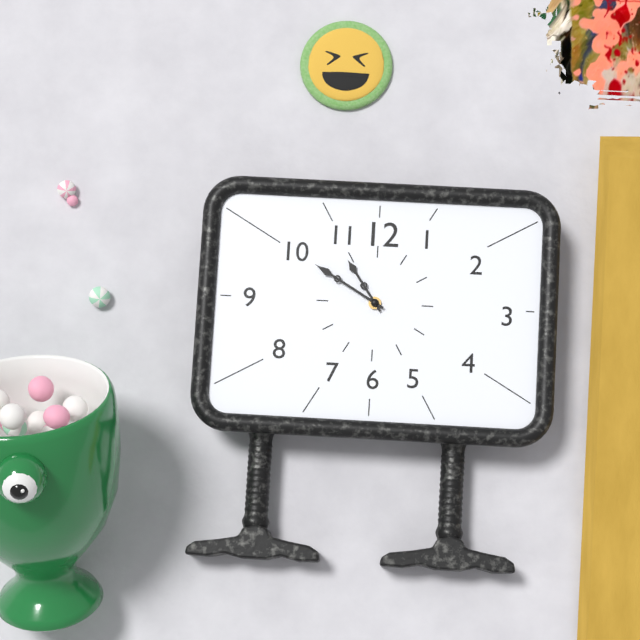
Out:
10 h 50 min
